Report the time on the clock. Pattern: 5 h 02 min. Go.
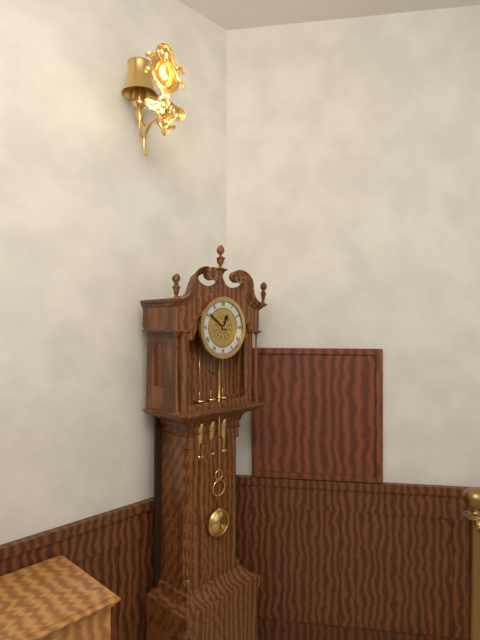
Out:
12 h 51 min
